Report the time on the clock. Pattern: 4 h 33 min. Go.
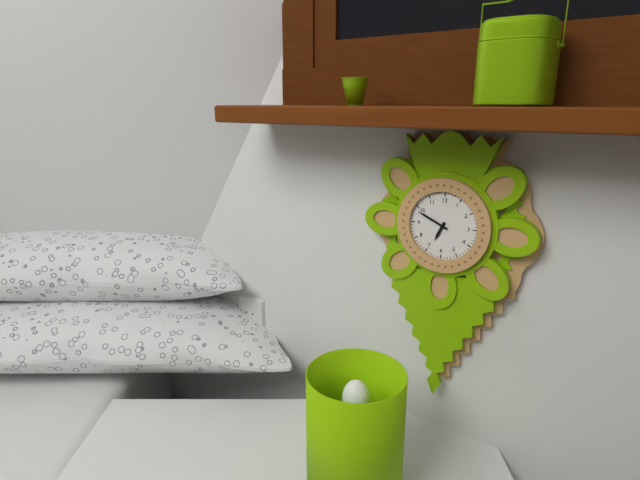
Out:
6 h 49 min
